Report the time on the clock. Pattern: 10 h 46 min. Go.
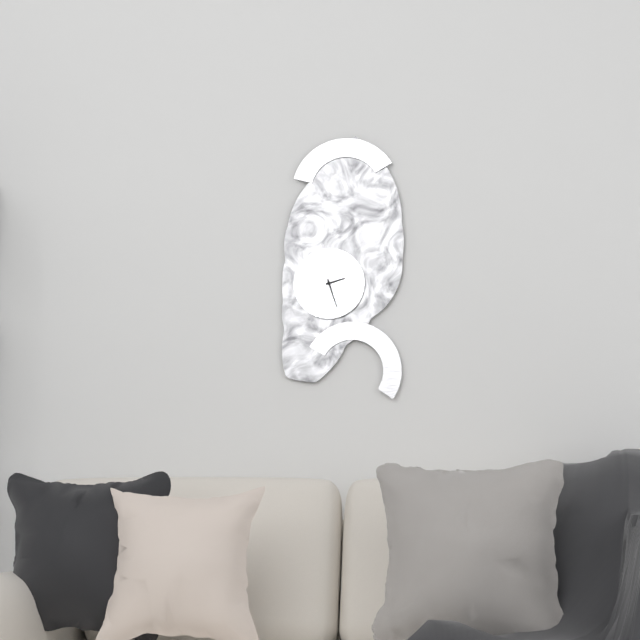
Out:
2 h 27 min
